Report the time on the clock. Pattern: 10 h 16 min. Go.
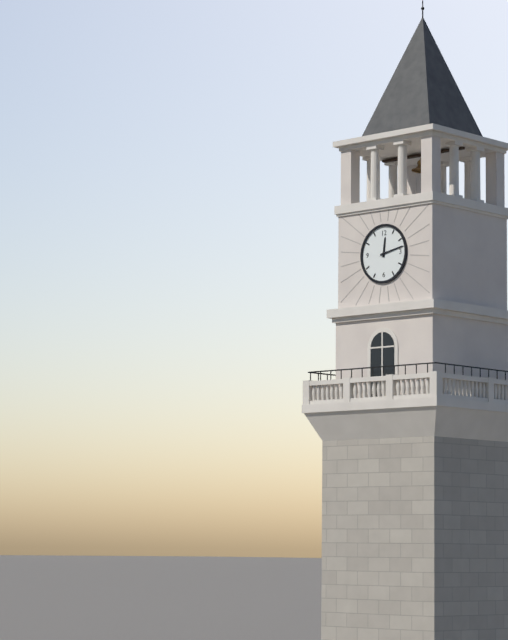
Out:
12 h 13 min
